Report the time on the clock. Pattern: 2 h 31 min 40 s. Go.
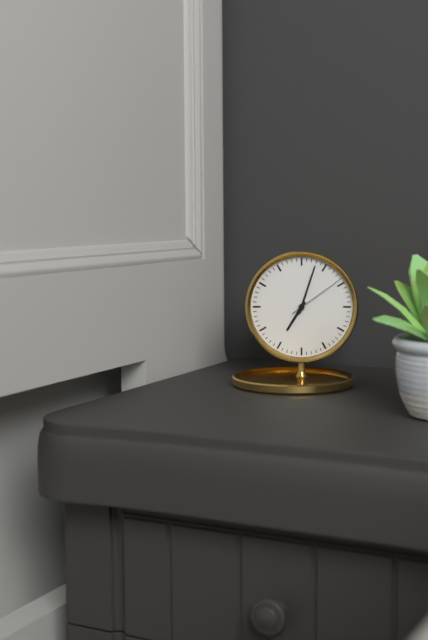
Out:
7 h 03 min 09 s
